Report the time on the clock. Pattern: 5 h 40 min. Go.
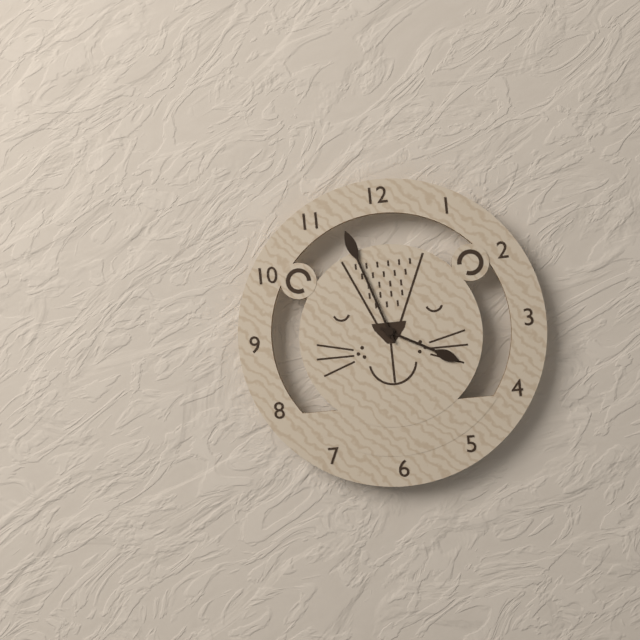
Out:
3 h 57 min
